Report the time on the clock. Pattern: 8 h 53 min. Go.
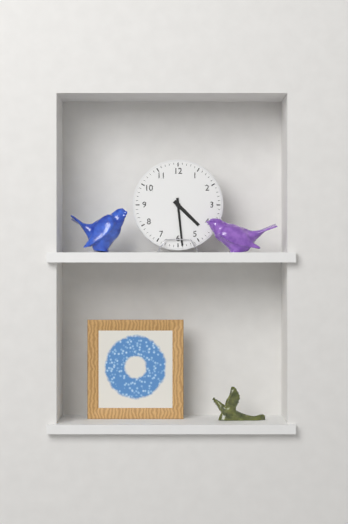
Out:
4 h 29 min
